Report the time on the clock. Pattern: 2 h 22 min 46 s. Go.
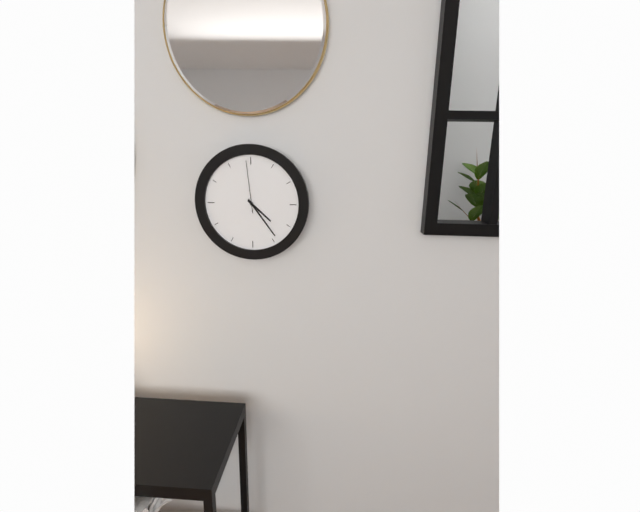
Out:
4 h 24 min 59 s
